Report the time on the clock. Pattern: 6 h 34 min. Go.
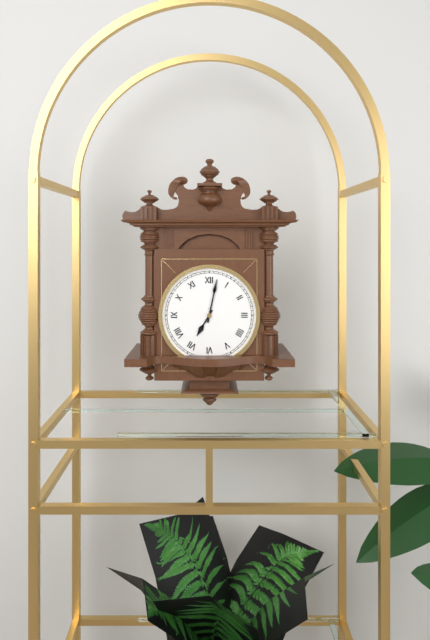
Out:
7 h 02 min
